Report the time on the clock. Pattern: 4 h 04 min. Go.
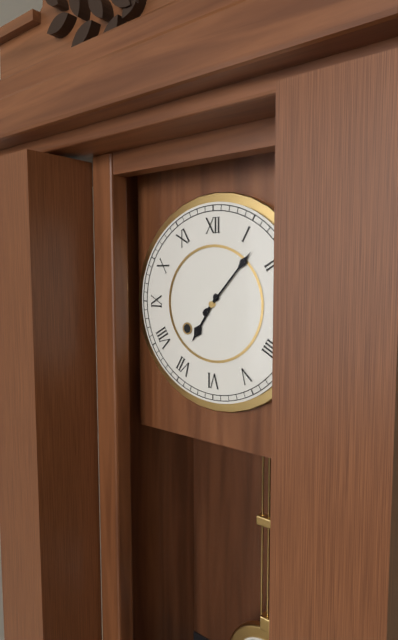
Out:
7 h 07 min
